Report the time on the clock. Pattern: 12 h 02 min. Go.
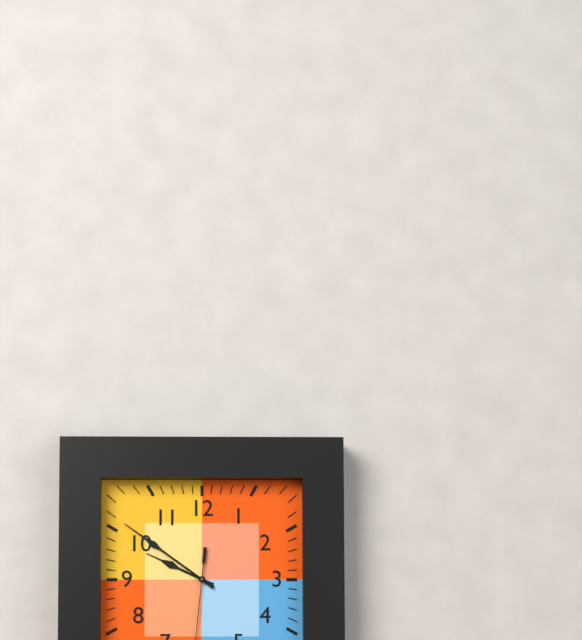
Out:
9 h 51 min
